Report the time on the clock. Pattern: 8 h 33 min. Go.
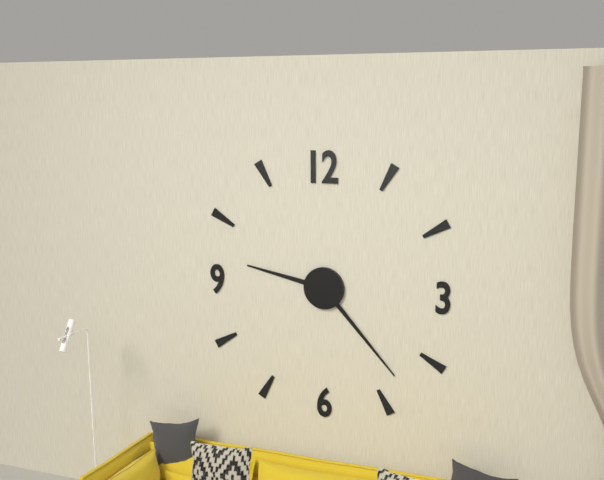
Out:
9 h 23 min
